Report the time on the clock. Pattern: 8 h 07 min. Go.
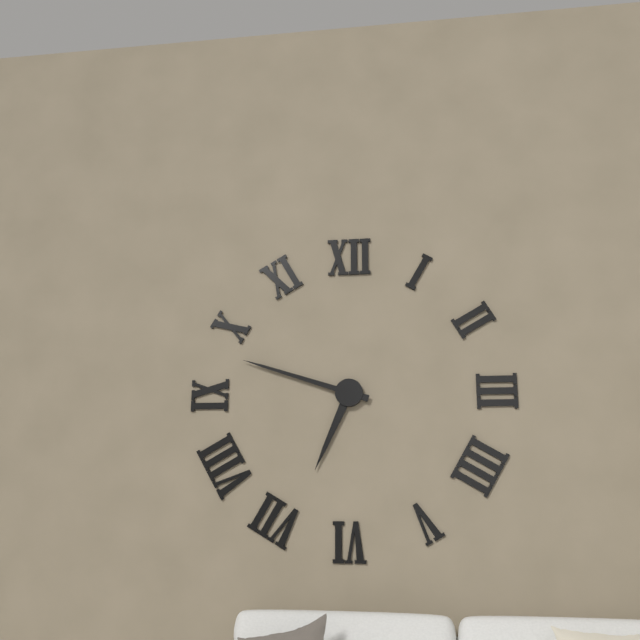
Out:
6 h 48 min
